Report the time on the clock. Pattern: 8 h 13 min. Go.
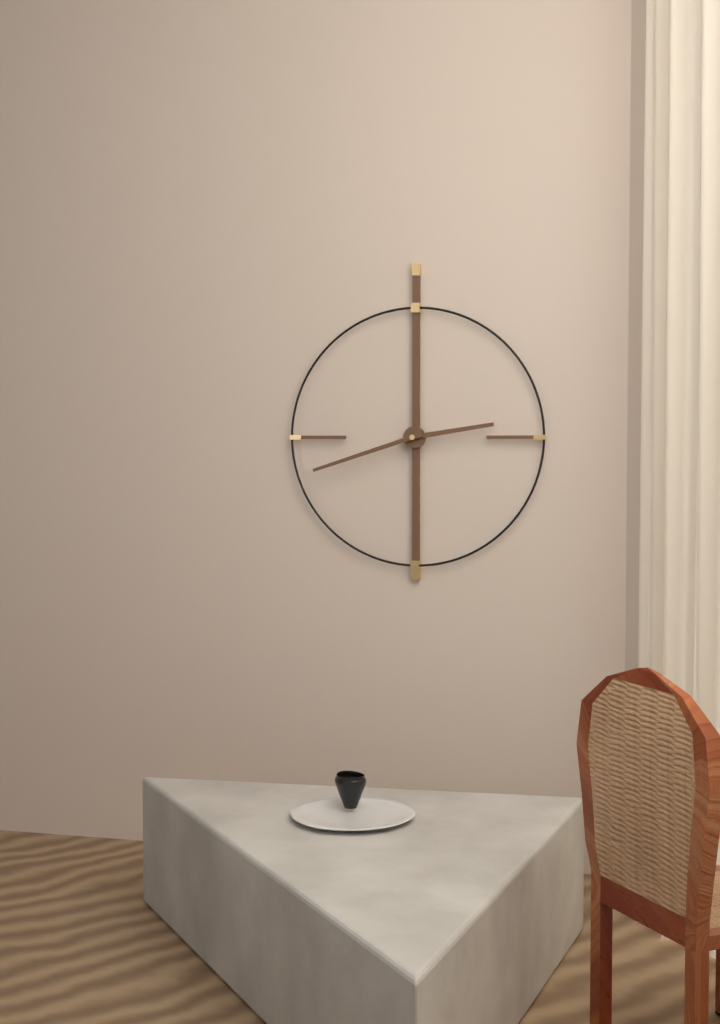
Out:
2 h 42 min
